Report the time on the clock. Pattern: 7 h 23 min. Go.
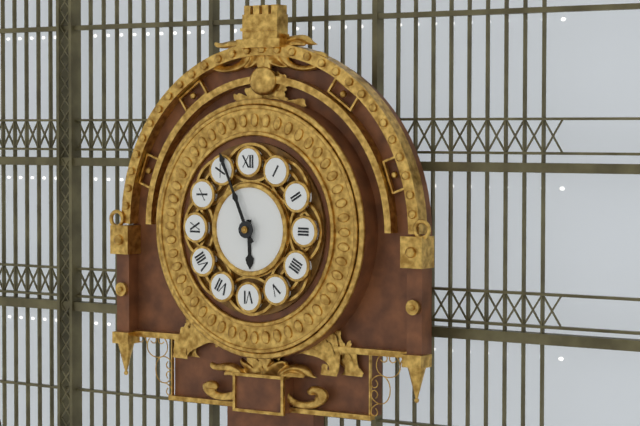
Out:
5 h 56 min
